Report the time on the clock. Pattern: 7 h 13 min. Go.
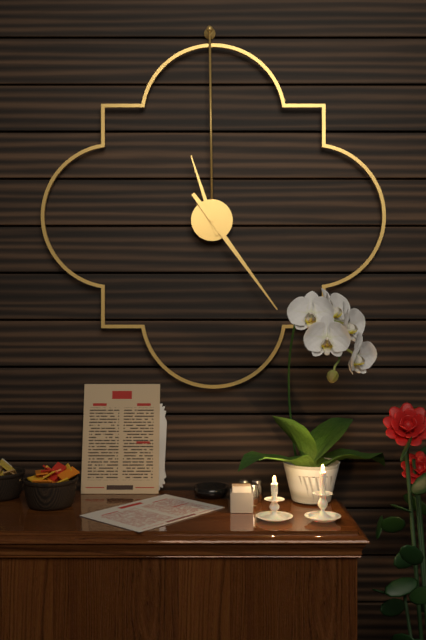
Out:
11 h 24 min
